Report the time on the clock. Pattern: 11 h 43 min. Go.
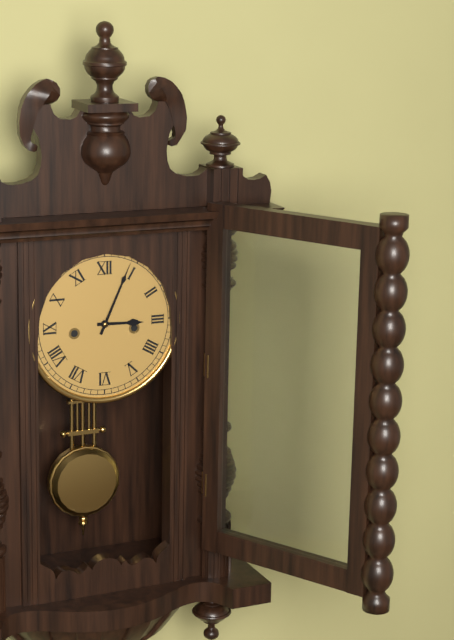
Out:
3 h 04 min
